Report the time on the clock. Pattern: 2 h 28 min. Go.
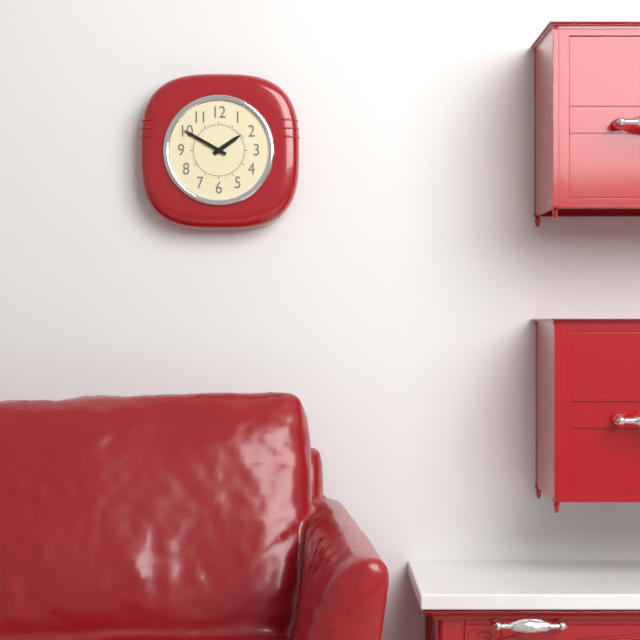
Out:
1 h 50 min
